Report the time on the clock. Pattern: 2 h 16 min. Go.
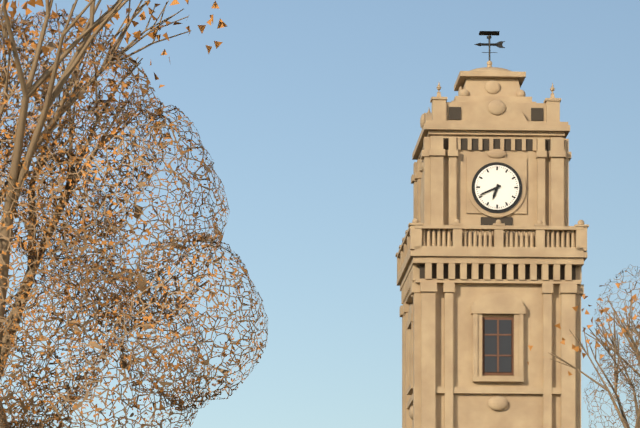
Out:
6 h 41 min
